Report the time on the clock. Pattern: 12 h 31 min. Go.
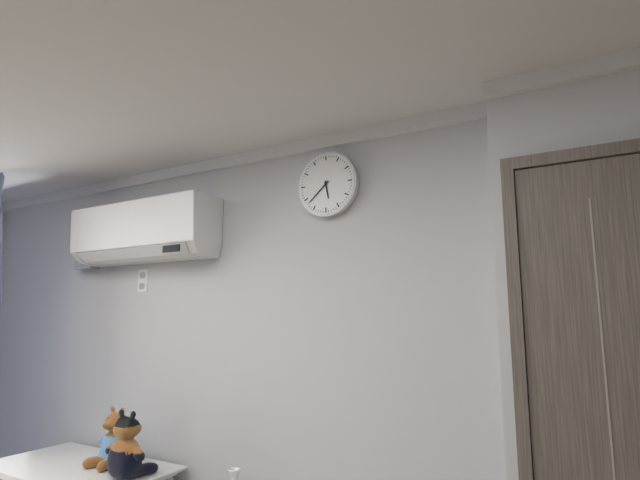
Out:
5 h 38 min
